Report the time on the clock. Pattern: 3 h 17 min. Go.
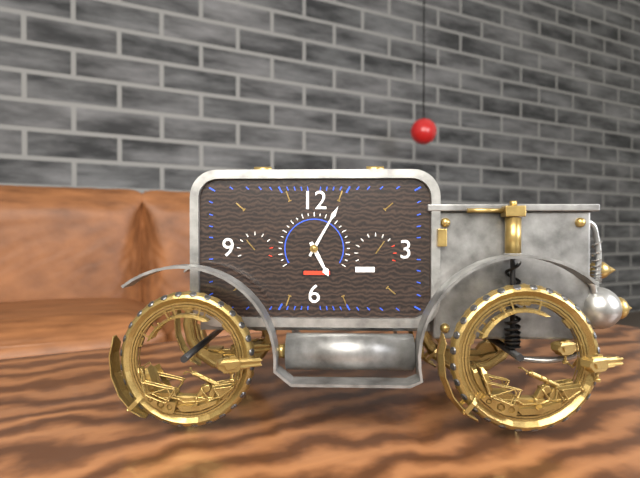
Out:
5 h 05 min
